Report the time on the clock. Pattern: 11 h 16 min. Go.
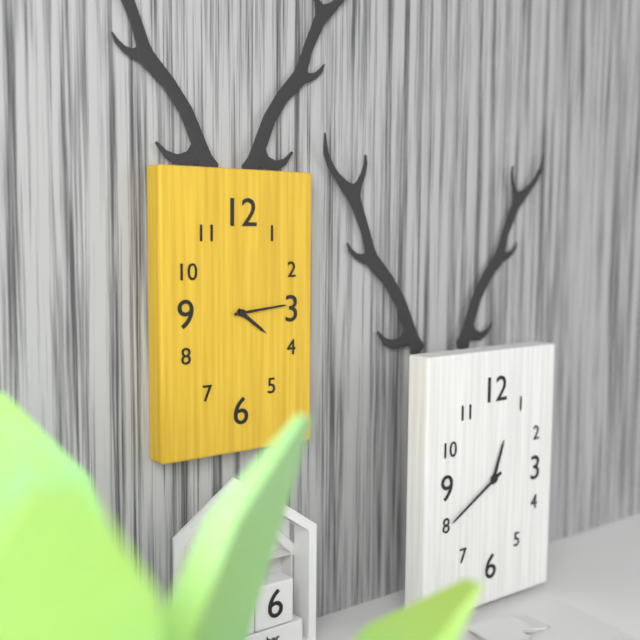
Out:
4 h 14 min
